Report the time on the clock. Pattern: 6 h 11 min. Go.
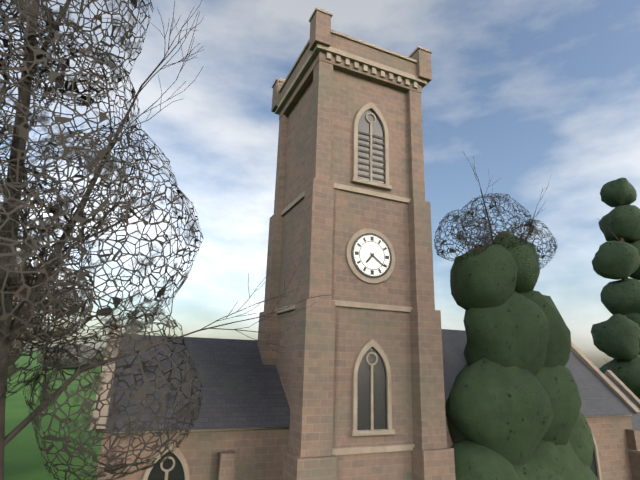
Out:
7 h 21 min
